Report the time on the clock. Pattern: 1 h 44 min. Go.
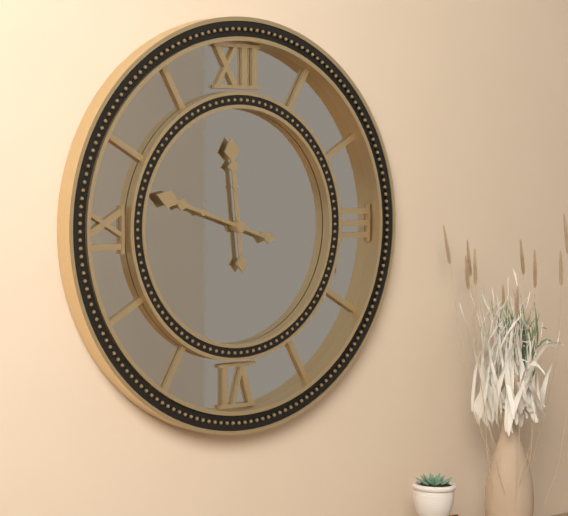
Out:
11 h 48 min
